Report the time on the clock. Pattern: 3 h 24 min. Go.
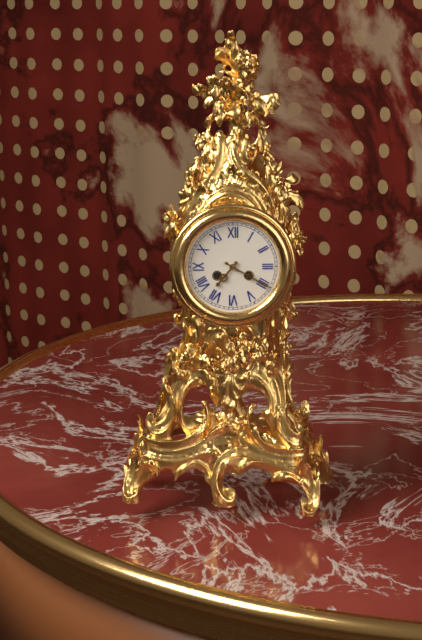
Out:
7 h 20 min
